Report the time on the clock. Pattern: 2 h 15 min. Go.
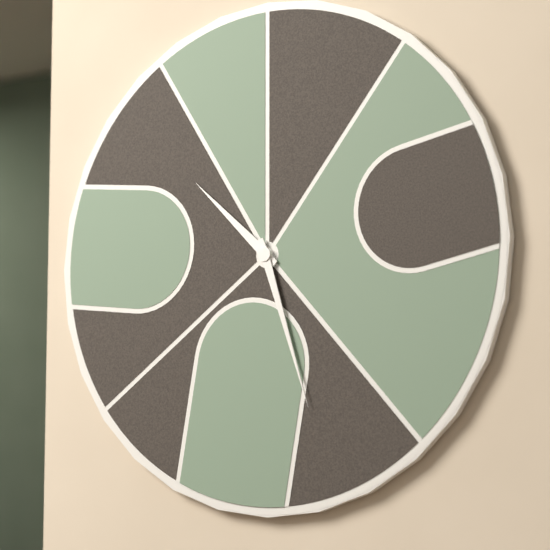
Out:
10 h 27 min
